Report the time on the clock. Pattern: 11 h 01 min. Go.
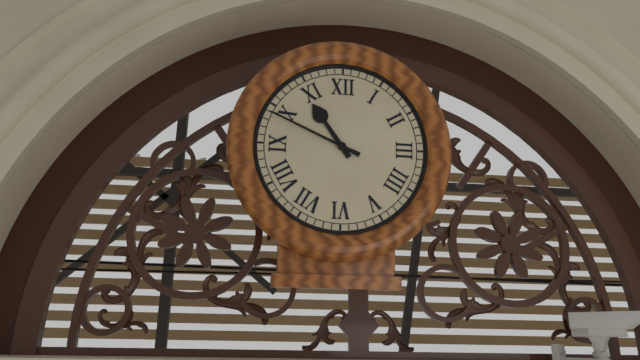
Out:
10 h 49 min
